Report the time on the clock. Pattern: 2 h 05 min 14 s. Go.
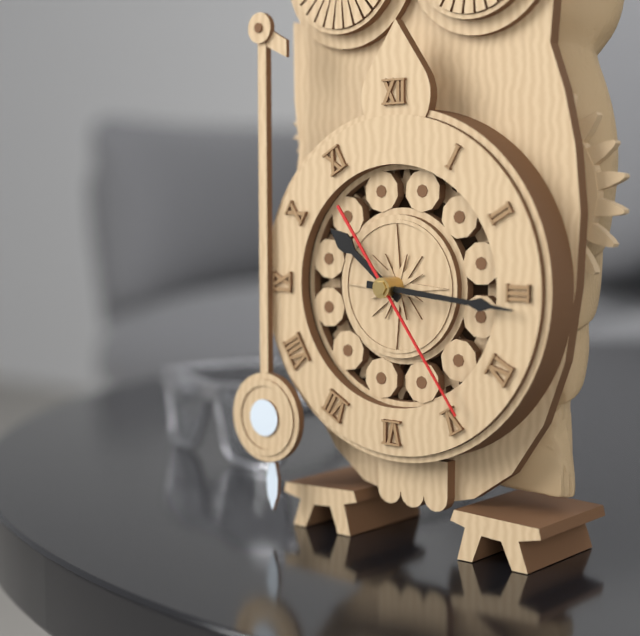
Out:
10 h 16 min 24 s
